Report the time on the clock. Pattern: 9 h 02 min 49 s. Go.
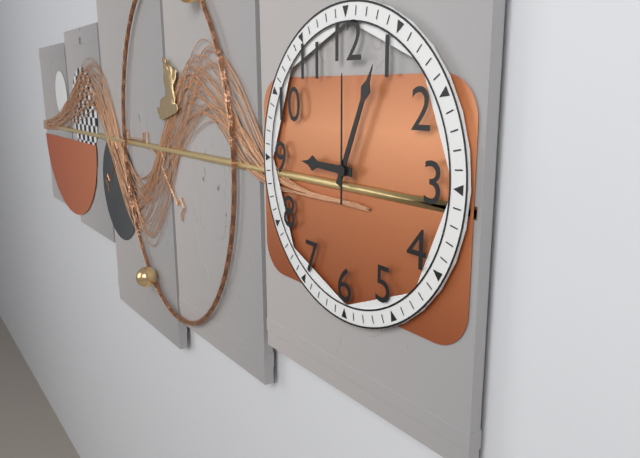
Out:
9 h 04 min 00 s
